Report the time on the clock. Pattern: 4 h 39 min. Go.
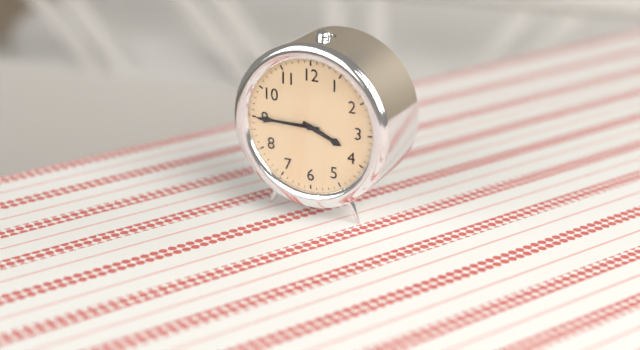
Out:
3 h 45 min
